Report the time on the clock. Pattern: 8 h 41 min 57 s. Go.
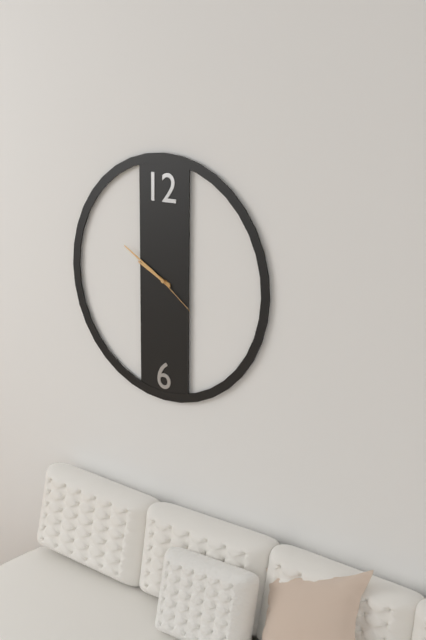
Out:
9 h 50 min 21 s
